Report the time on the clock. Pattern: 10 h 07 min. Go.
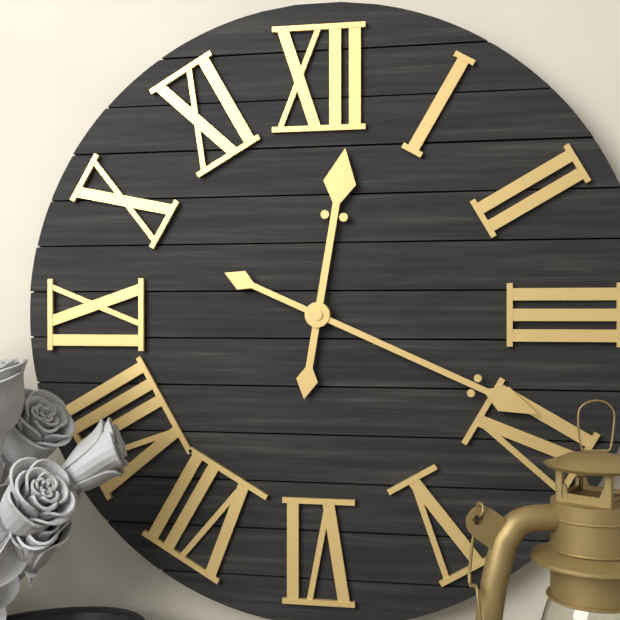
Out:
12 h 19 min
